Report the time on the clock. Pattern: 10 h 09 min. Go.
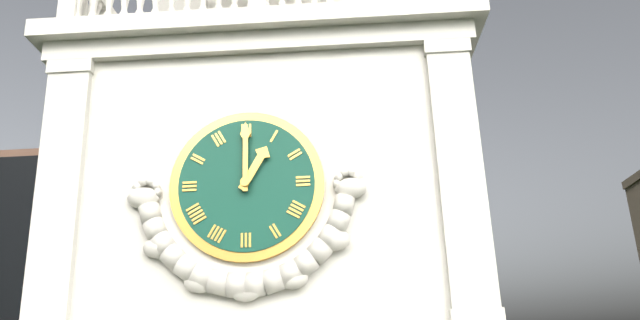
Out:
1 h 00 min
